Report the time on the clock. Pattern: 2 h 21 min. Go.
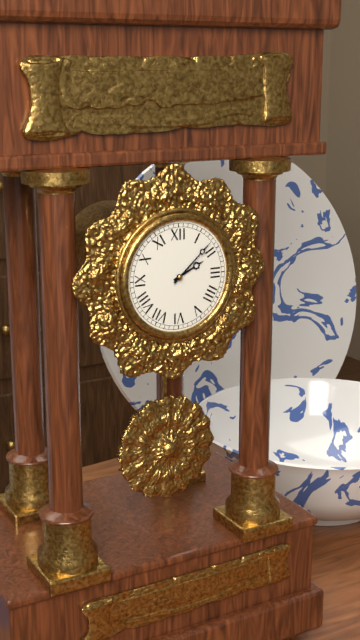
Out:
2 h 08 min
